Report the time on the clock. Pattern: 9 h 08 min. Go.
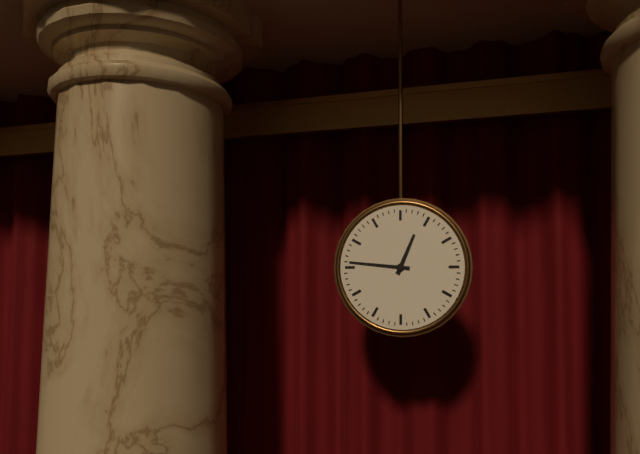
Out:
12 h 46 min
